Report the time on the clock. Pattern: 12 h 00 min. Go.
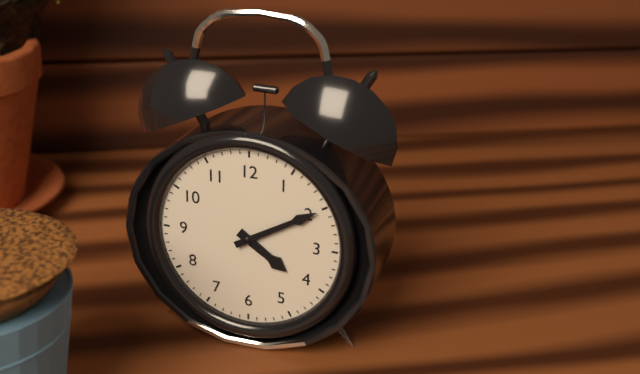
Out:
4 h 10 min
